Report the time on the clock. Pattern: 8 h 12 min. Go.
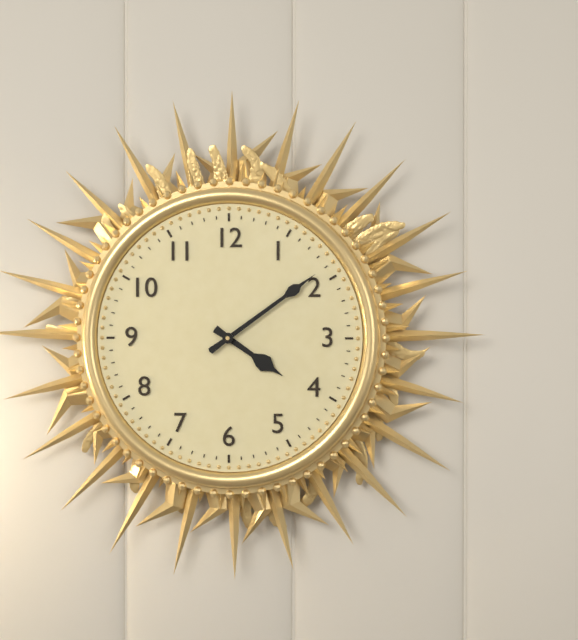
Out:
4 h 09 min
